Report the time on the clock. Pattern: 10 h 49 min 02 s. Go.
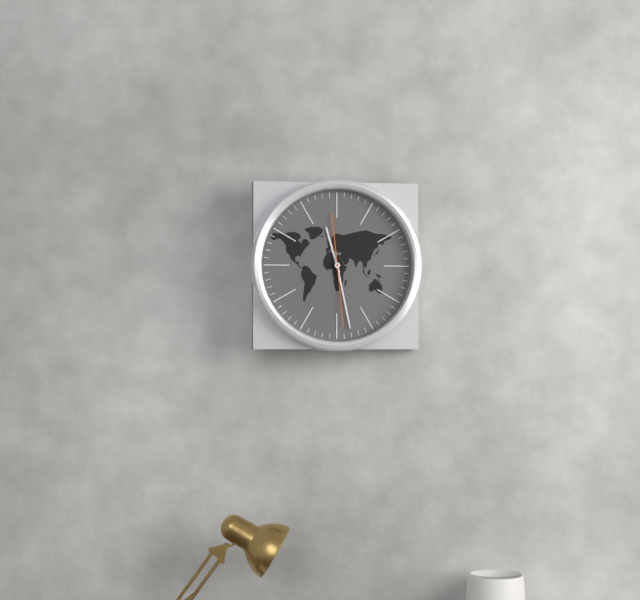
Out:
11 h 28 min 29 s
